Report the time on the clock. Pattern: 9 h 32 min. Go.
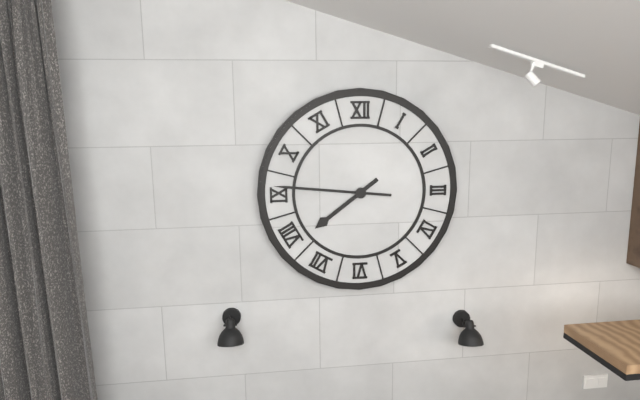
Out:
7 h 46 min
